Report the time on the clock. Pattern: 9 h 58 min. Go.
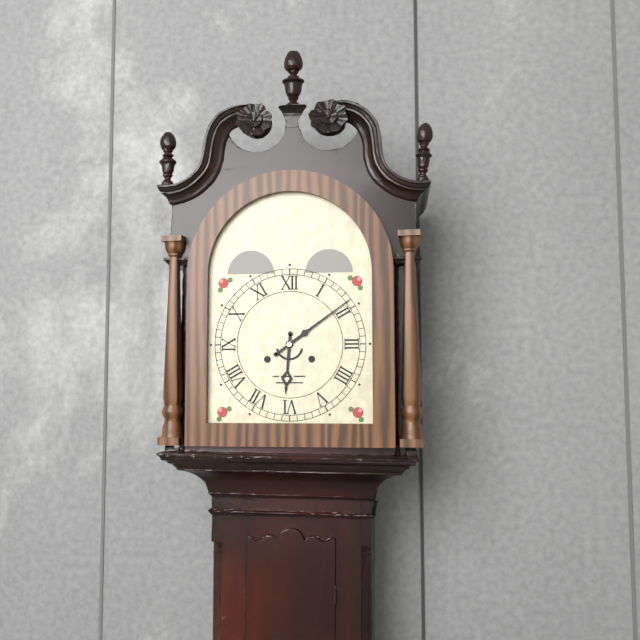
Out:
6 h 09 min
